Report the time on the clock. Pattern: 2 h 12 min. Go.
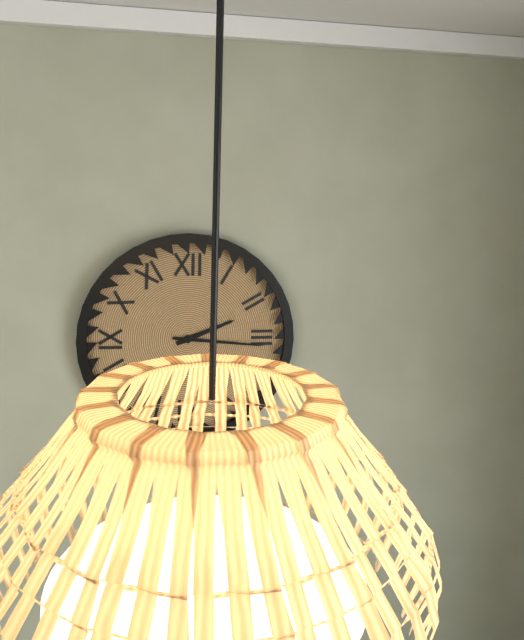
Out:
2 h 16 min
